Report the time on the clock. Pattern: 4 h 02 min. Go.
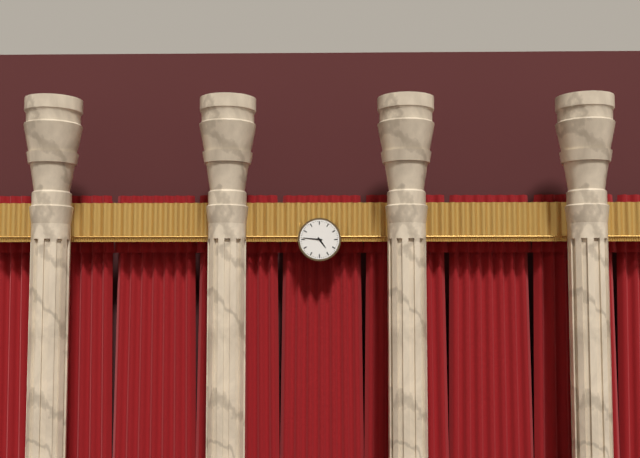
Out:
4 h 46 min
